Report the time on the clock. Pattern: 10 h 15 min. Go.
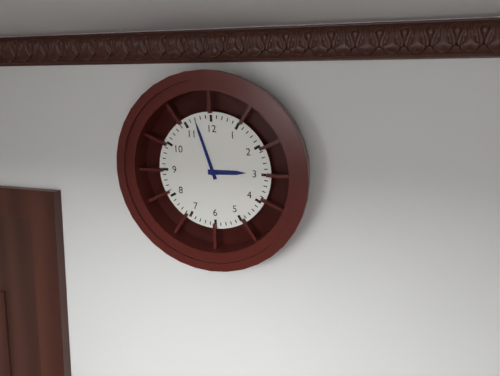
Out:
2 h 57 min
